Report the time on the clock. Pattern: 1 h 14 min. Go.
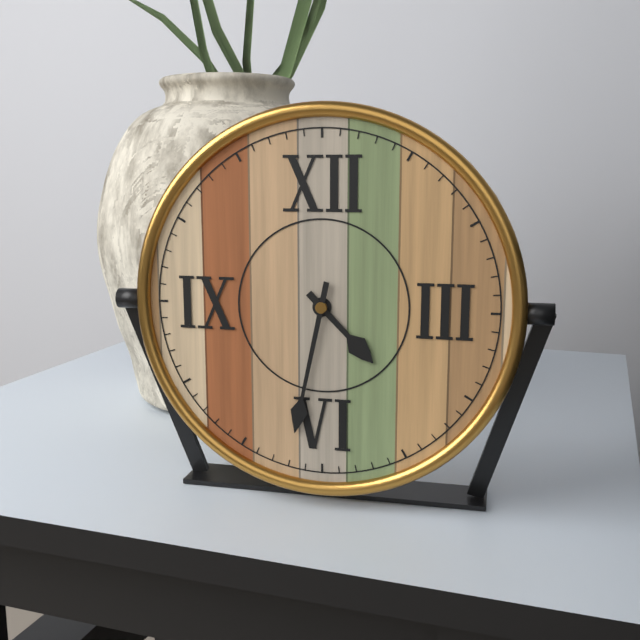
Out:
4 h 32 min
